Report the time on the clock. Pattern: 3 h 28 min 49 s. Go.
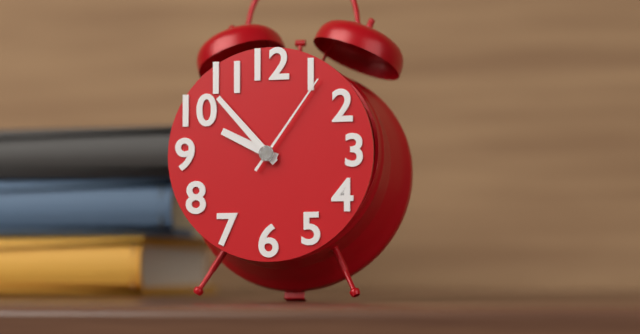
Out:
9 h 53 min 06 s
